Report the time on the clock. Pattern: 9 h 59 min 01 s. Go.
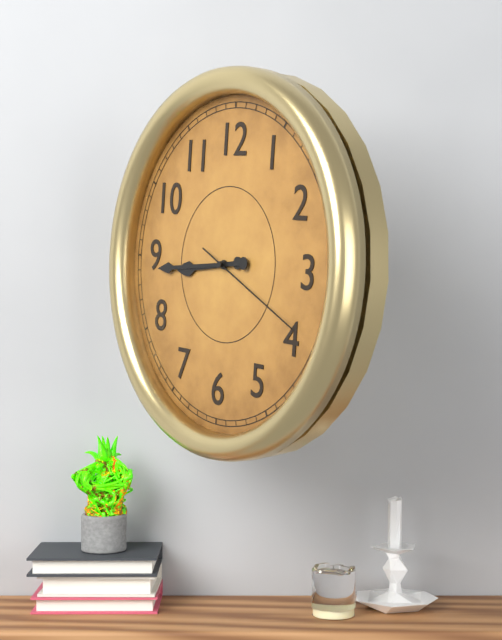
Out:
8 h 44 min 19 s
